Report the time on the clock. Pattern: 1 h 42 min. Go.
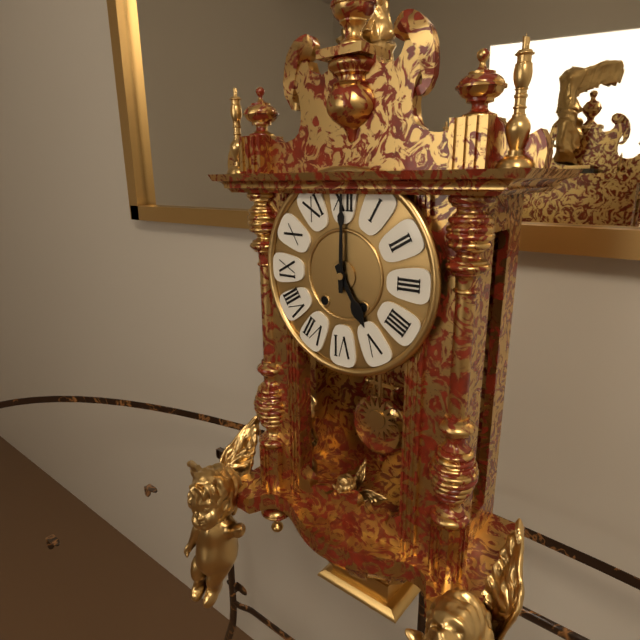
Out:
5 h 00 min
